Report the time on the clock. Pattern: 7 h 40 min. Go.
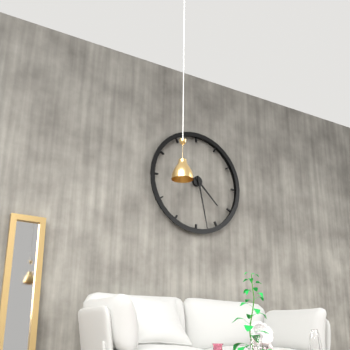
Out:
4 h 28 min
